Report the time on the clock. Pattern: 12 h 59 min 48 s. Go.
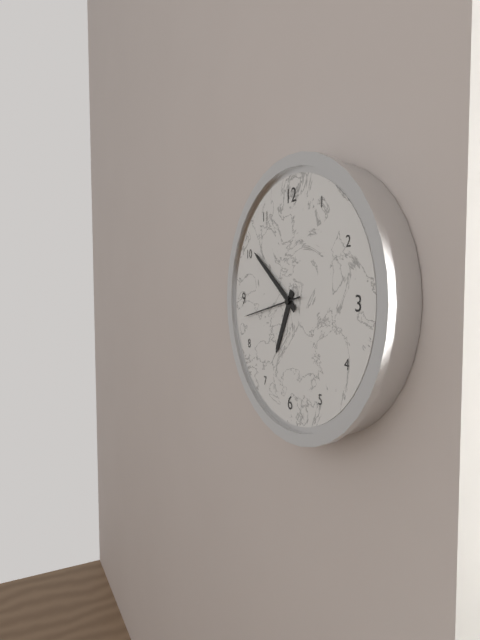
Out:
6 h 51 min 43 s
